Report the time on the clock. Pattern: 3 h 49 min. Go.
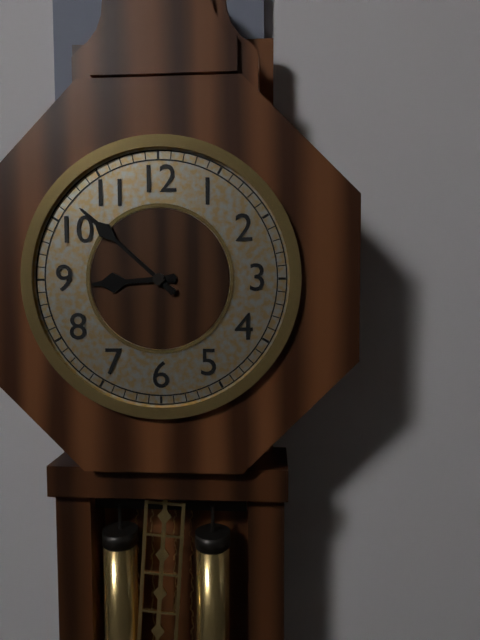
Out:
8 h 52 min
